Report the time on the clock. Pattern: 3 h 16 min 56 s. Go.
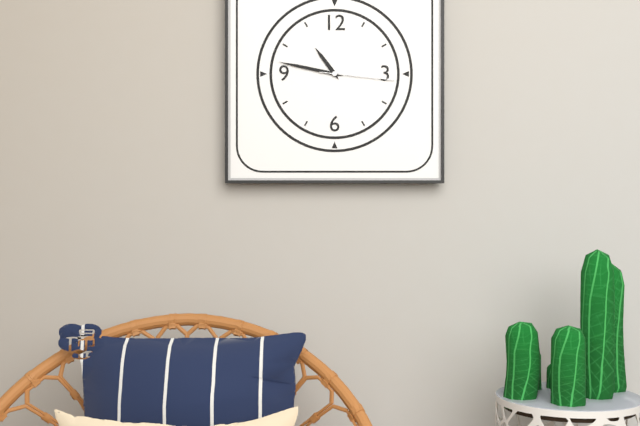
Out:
10 h 47 min 16 s
